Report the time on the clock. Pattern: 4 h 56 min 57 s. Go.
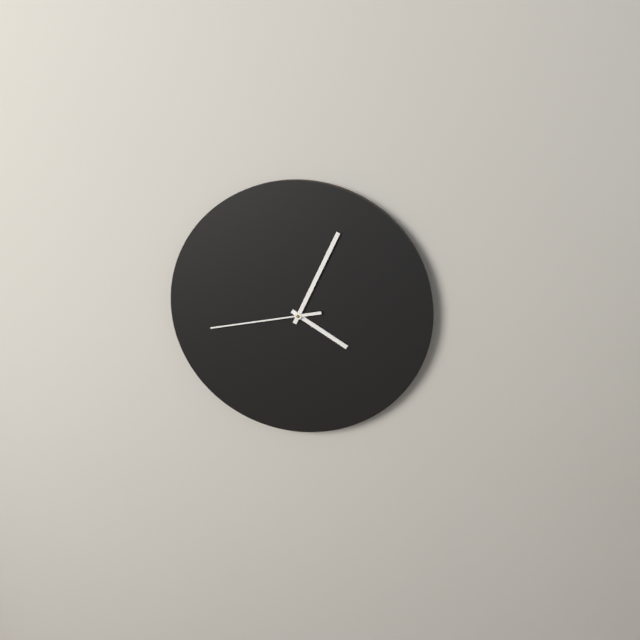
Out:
4 h 04 min 43 s
